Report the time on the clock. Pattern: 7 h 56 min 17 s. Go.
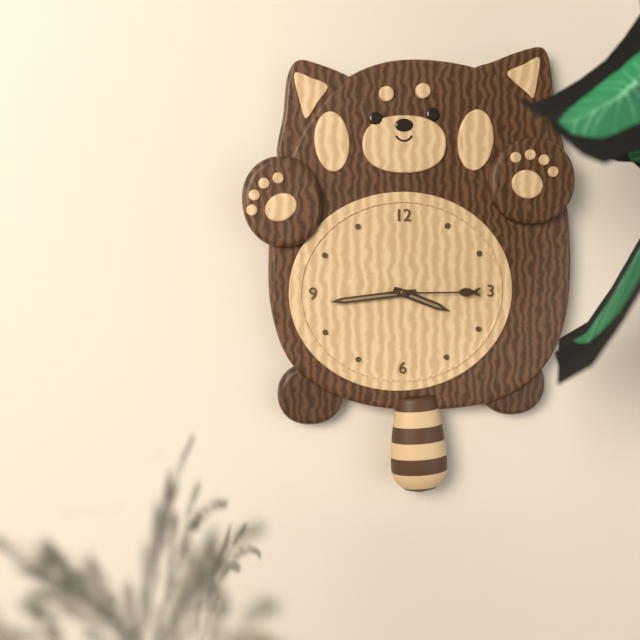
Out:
3 h 44 min 15 s
